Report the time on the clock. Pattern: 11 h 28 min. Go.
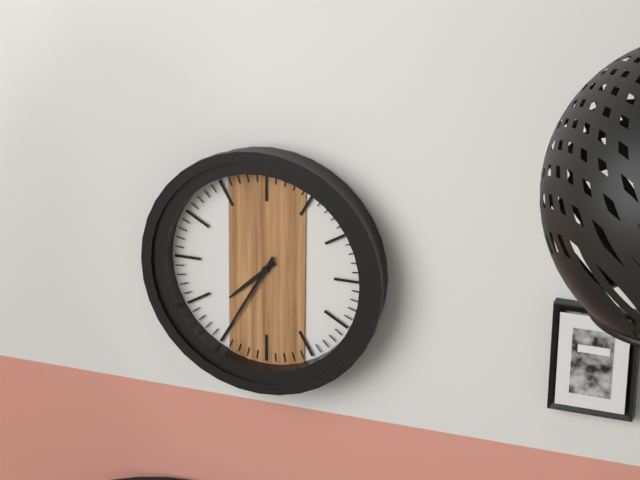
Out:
7 h 35 min
